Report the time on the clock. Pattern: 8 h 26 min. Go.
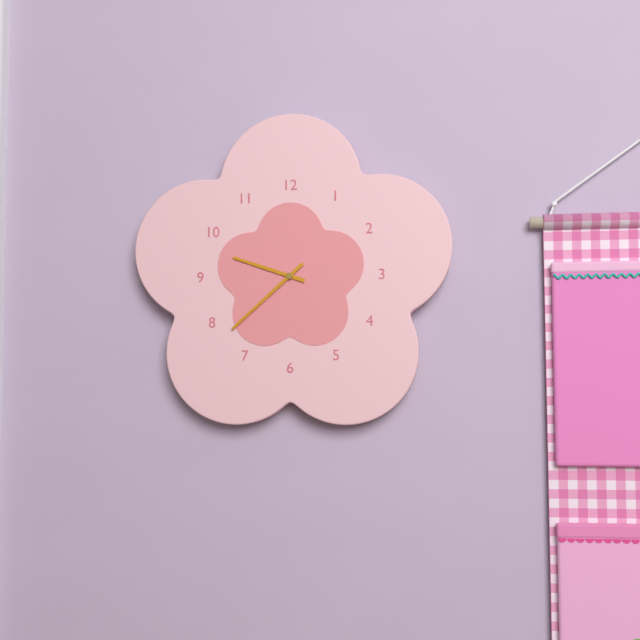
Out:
9 h 38 min
